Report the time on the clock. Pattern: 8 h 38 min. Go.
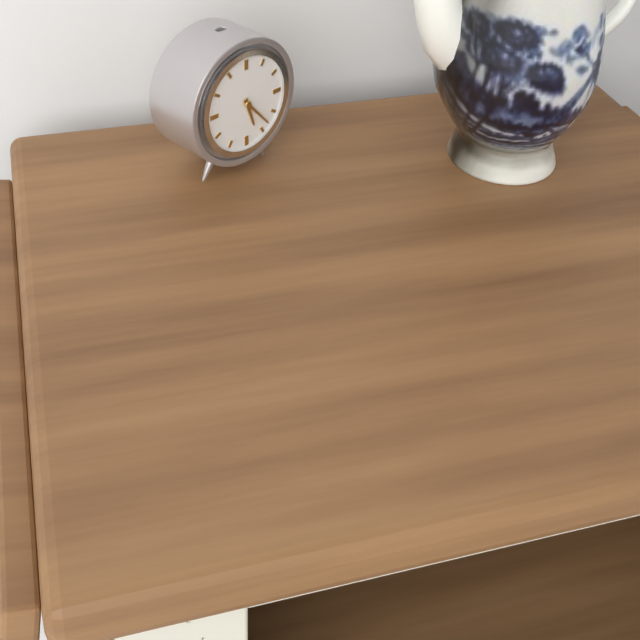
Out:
5 h 23 min
